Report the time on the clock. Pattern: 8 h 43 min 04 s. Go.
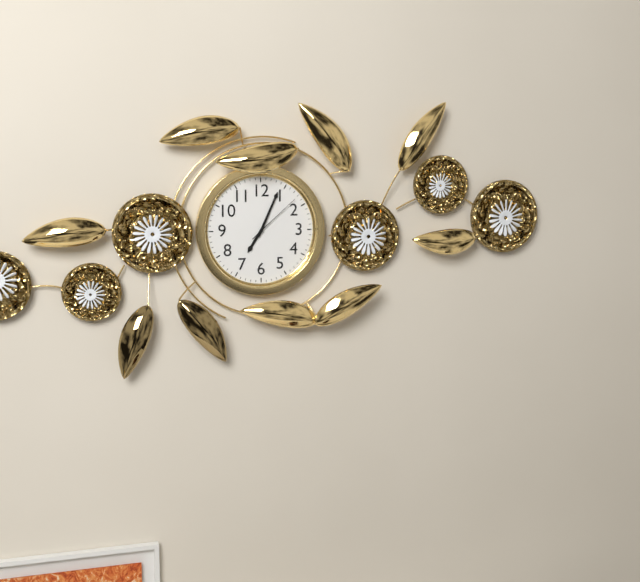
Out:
7 h 04 min 08 s
